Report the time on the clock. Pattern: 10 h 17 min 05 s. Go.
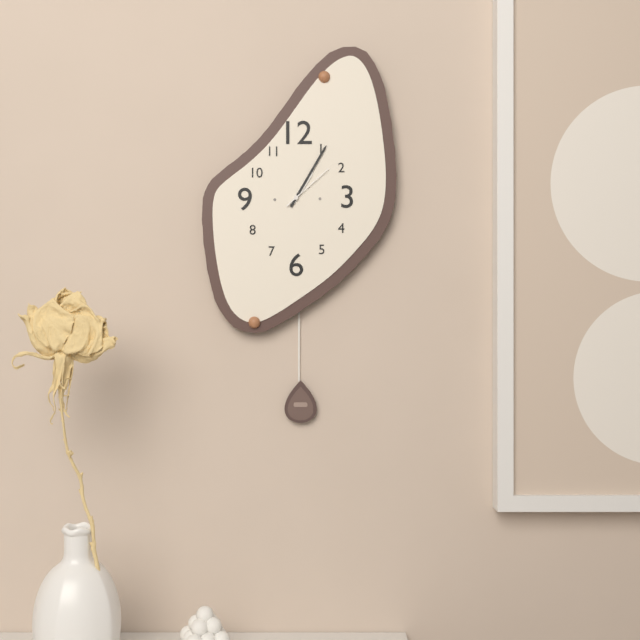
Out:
1 h 05 min 08 s
